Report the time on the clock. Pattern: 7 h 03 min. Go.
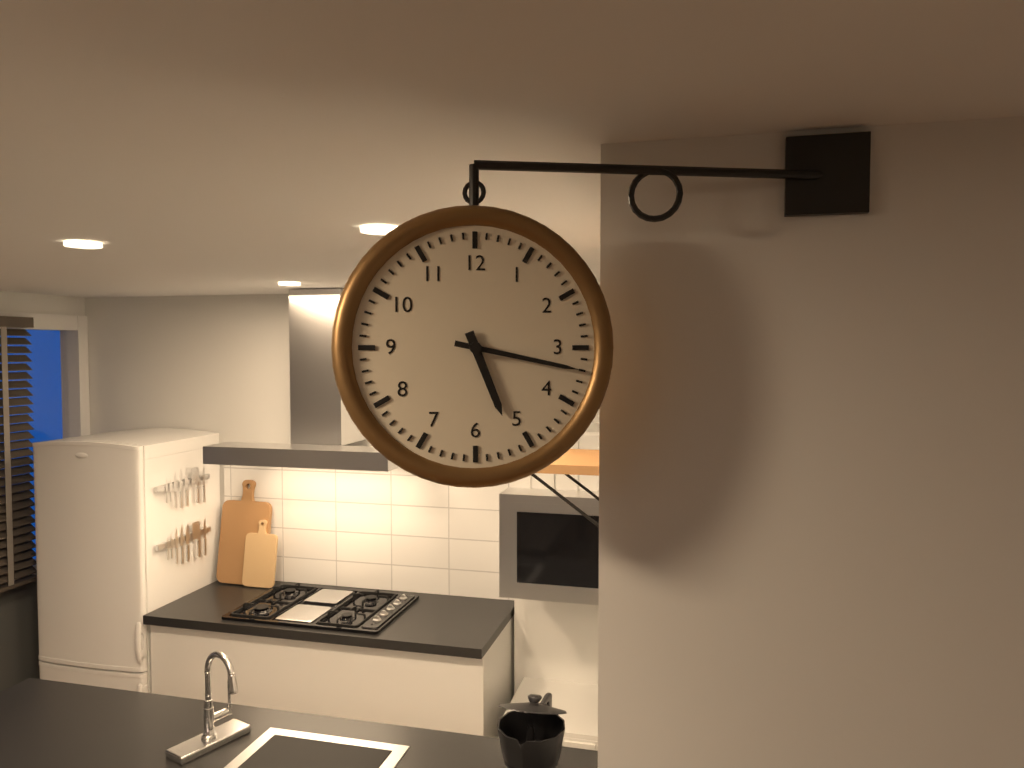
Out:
5 h 17 min
